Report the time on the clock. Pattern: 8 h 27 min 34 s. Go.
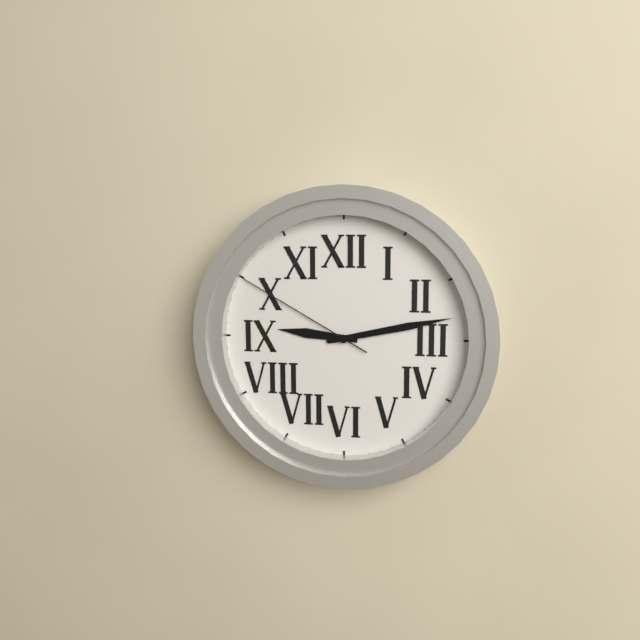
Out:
9 h 13 min 50 s
